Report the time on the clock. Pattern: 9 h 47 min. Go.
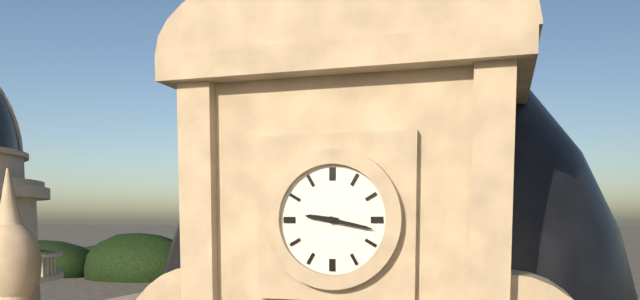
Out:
9 h 17 min
